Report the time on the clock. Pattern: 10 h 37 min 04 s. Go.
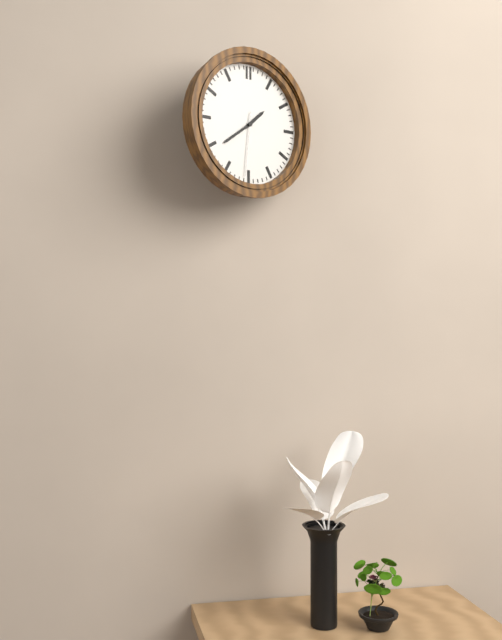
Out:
1 h 39 min 31 s
